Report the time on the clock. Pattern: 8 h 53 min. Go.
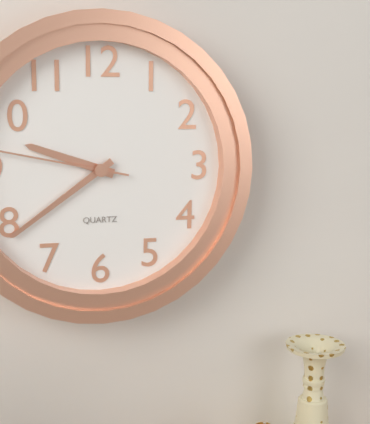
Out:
9 h 39 min
